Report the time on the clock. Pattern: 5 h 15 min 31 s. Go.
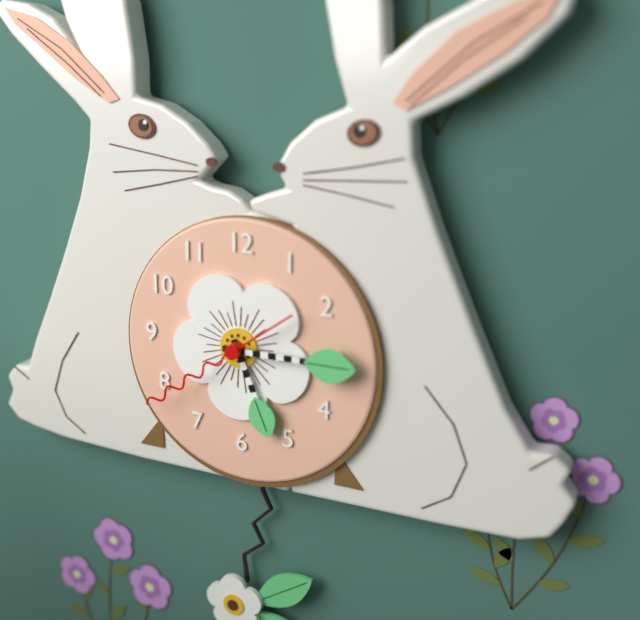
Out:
5 h 15 min 39 s
